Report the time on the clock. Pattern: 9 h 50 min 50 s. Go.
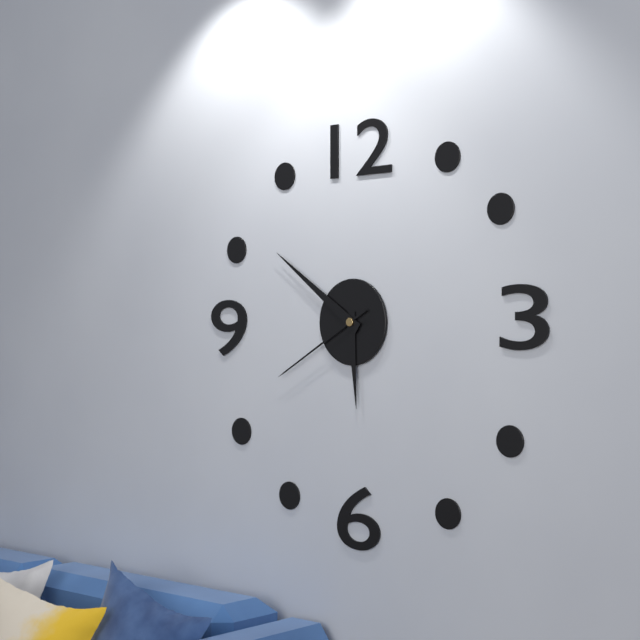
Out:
5 h 51 min 40 s
